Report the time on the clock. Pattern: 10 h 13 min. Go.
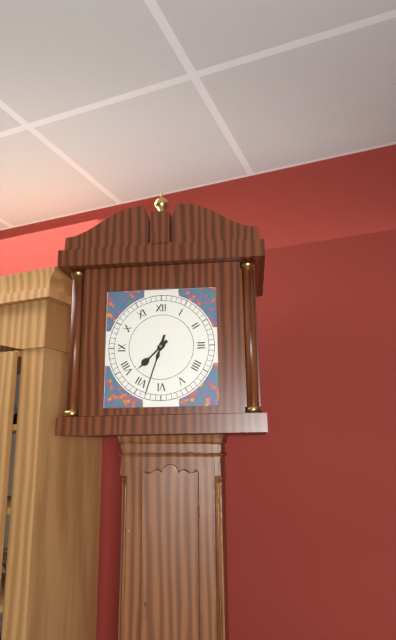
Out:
7 h 33 min
